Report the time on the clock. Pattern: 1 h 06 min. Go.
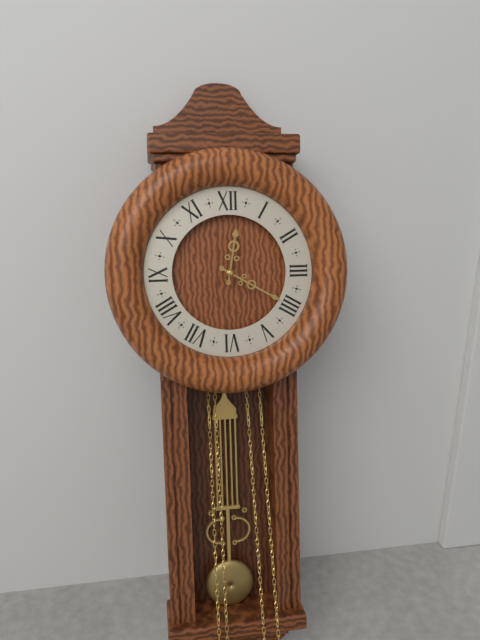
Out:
12 h 20 min
